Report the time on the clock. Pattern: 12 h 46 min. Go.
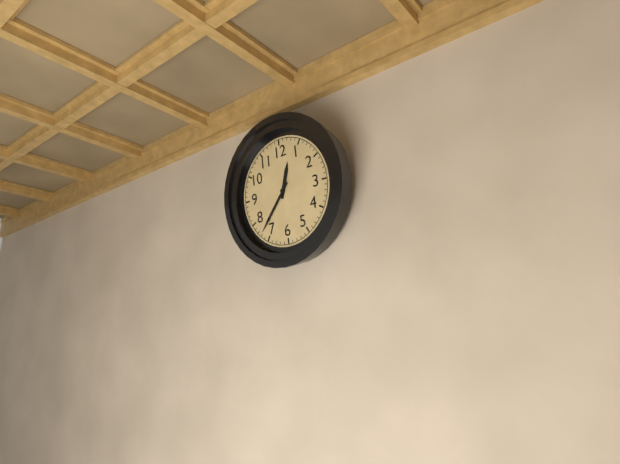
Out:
12 h 37 min
